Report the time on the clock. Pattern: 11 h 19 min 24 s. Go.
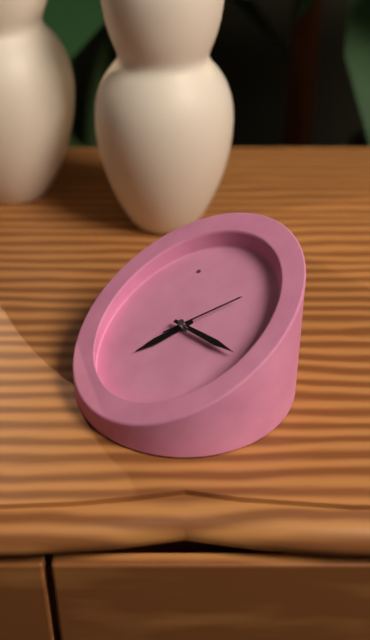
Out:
9 h 27 min 18 s
